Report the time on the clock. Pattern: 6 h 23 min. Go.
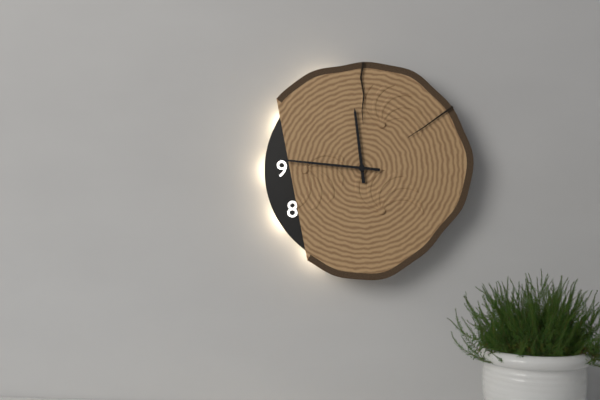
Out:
11 h 46 min
